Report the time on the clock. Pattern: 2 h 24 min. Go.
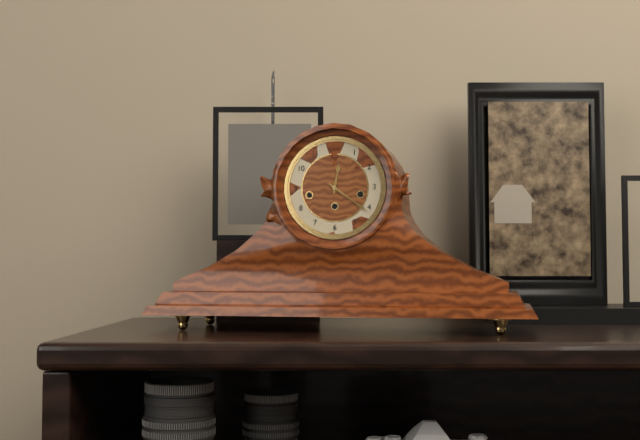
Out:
12 h 21 min
